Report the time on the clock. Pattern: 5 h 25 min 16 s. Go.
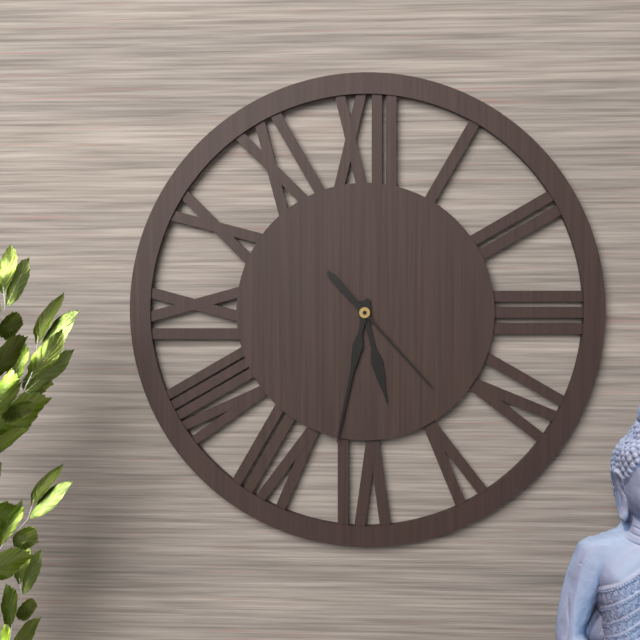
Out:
5 h 32 min 23 s
